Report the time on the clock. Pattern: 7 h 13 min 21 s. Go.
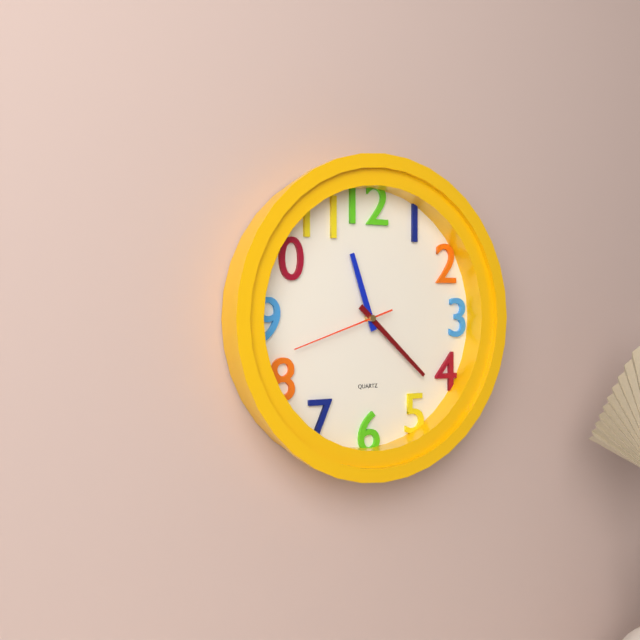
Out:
11 h 22 min 42 s
